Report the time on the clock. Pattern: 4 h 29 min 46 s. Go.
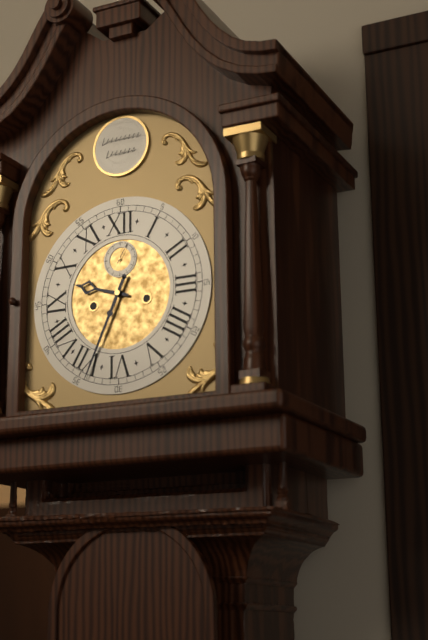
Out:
9 h 34 min 05 s
